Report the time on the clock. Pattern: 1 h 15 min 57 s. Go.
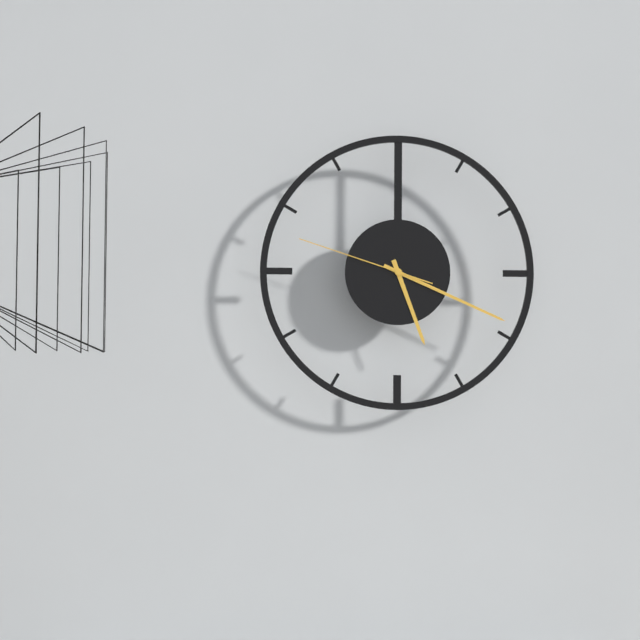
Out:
5 h 19 min 48 s
